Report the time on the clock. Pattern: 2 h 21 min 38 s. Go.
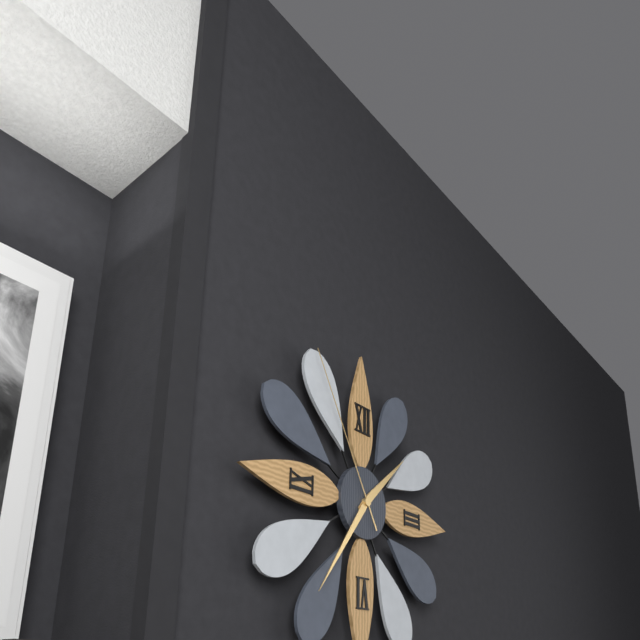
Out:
1 h 36 min 55 s
